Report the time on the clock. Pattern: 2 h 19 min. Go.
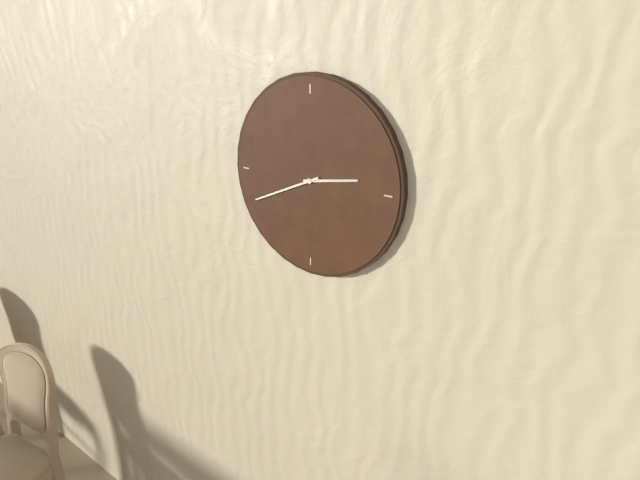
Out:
2 h 41 min
